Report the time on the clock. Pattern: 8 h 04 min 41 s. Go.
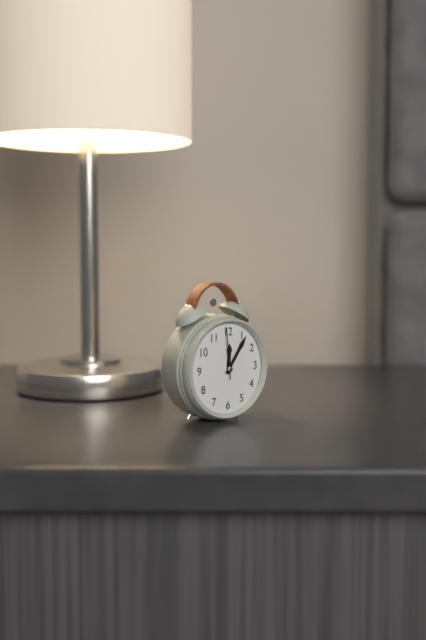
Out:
12 h 06 min 59 s
